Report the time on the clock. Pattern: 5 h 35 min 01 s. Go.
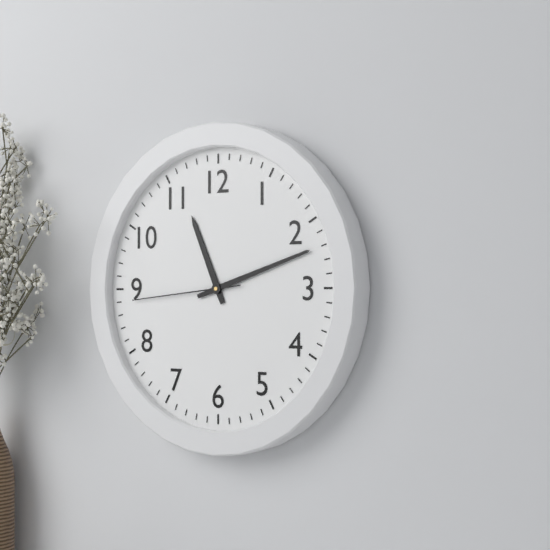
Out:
11 h 12 min 44 s
